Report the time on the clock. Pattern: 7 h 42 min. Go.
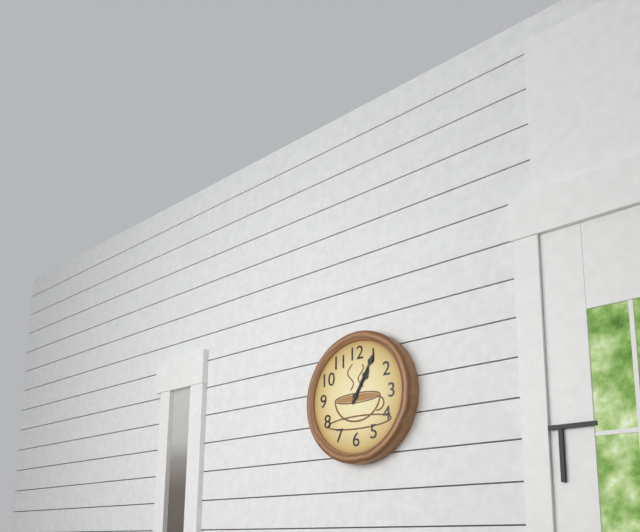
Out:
1 h 05 min
